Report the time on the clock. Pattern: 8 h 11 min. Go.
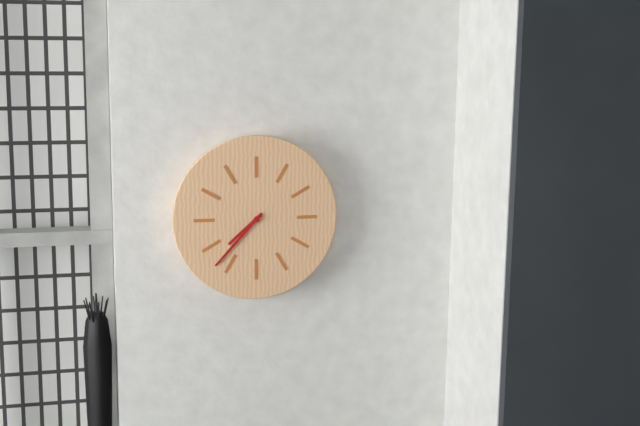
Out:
7 h 37 min
